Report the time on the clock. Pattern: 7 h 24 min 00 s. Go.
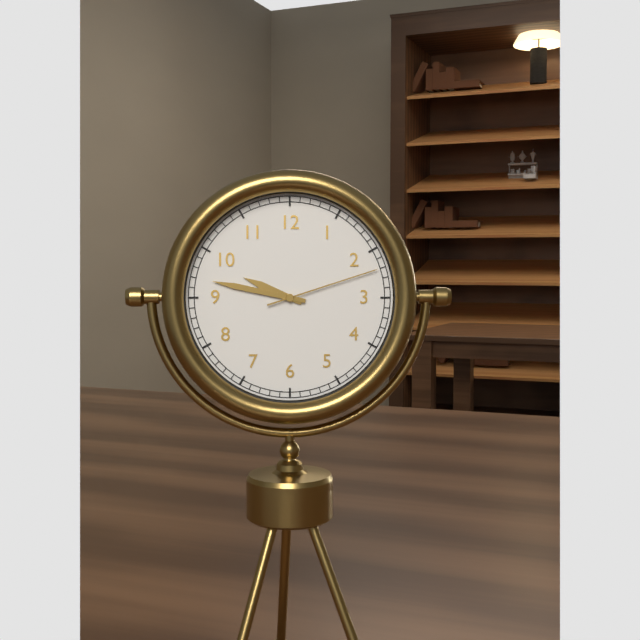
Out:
9 h 47 min 12 s
